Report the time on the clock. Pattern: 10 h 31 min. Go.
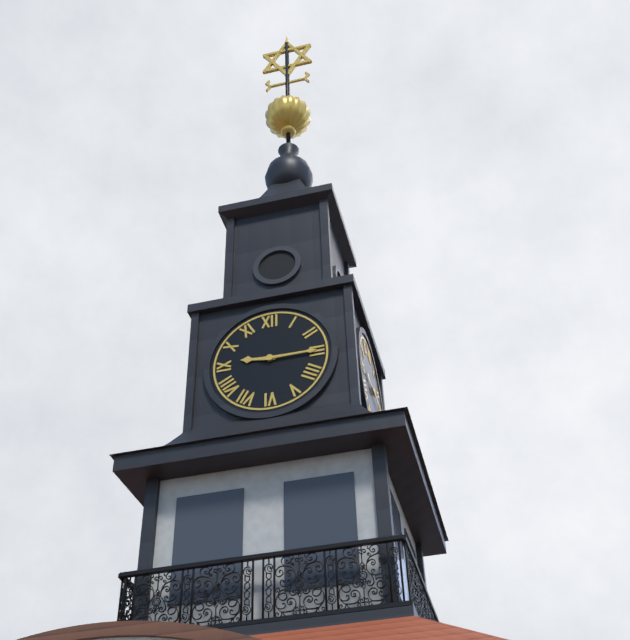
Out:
9 h 15 min
